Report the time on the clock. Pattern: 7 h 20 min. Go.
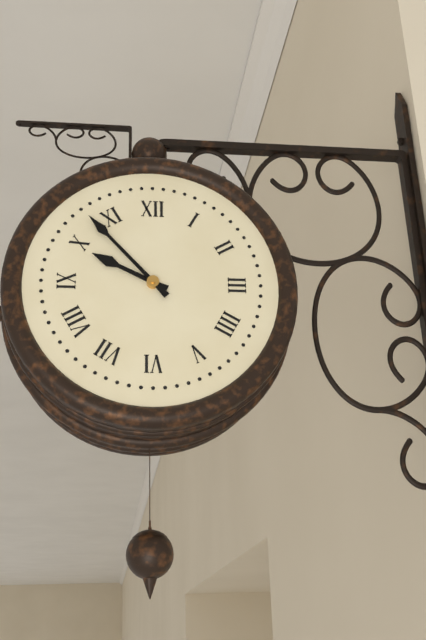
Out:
9 h 53 min
